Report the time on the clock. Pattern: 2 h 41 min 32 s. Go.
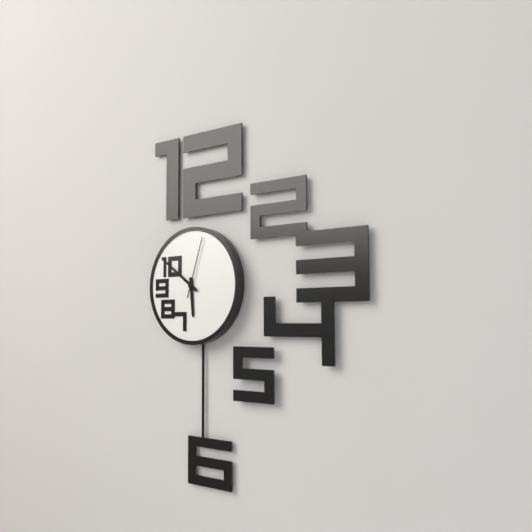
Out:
5 h 51 min 03 s
